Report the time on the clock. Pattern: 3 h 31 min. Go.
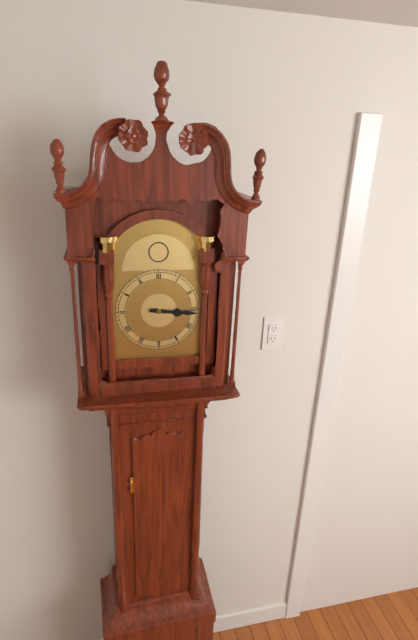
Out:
3 h 16 min
